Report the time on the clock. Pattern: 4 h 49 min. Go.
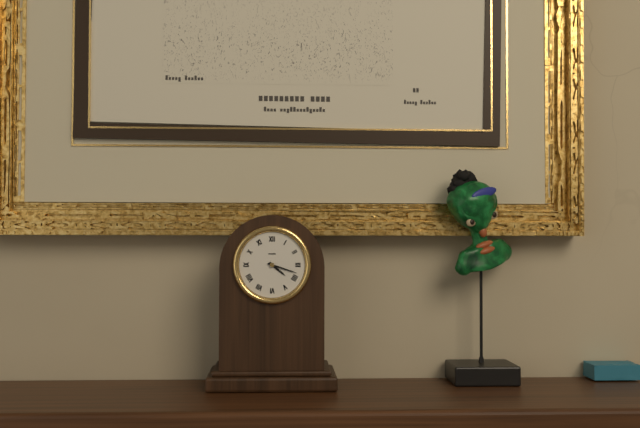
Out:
4 h 18 min
